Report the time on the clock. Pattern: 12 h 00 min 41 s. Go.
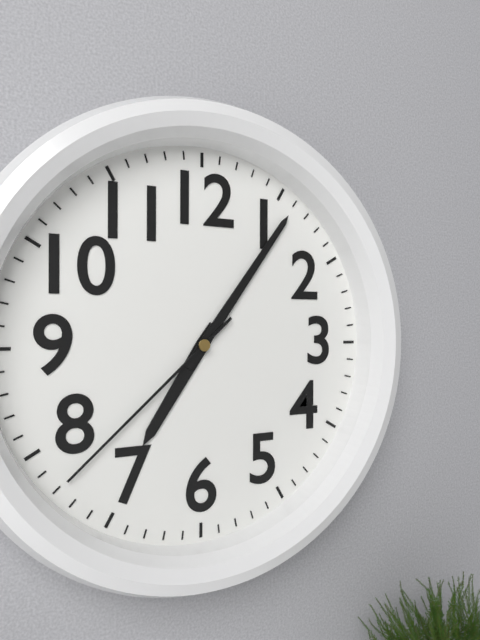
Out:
7 h 06 min 38 s
